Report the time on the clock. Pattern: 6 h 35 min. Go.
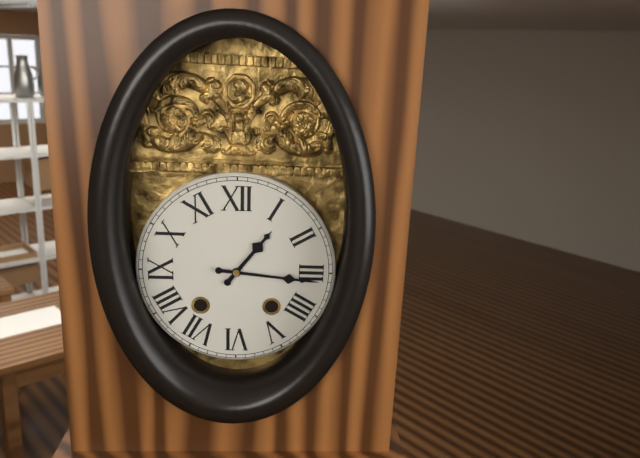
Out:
1 h 16 min
